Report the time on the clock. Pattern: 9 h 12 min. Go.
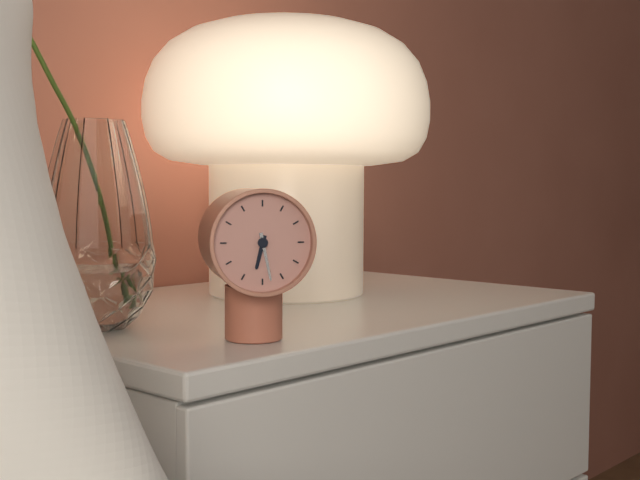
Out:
6 h 28 min
